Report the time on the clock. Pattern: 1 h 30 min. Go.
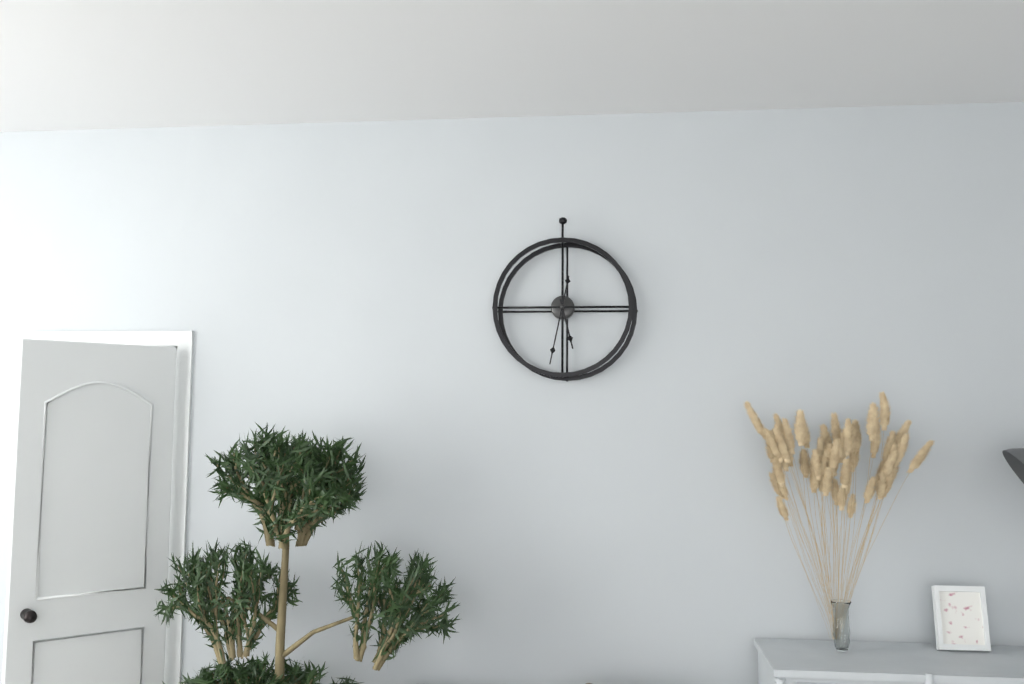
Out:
5 h 32 min
